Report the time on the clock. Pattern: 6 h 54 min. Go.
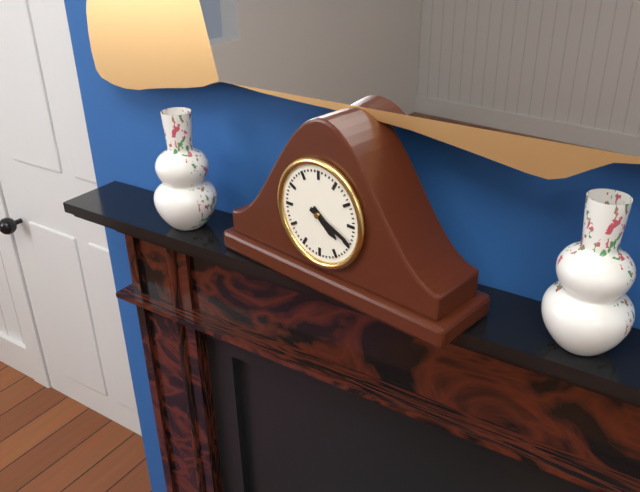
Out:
4 h 19 min
